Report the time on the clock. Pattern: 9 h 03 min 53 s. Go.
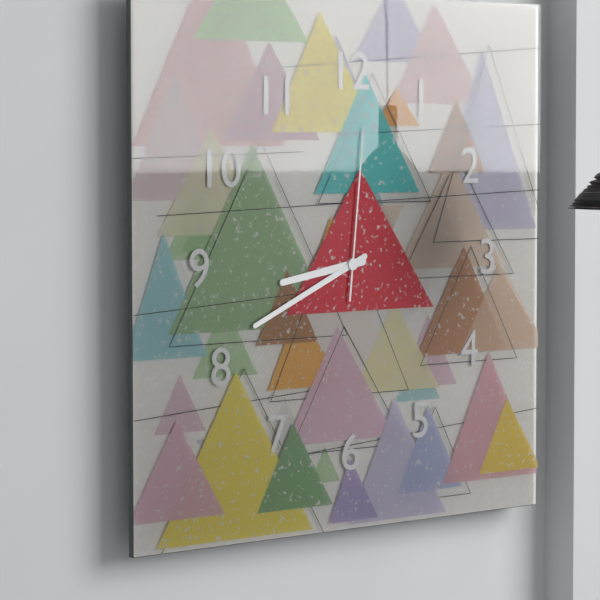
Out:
8 h 41 min 01 s
